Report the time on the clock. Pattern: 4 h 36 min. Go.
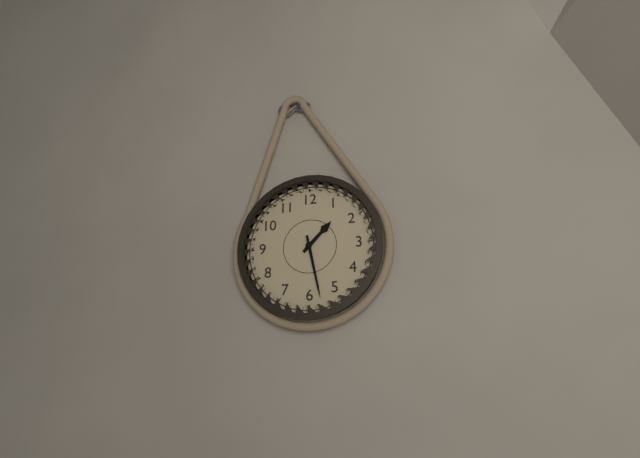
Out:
1 h 28 min
